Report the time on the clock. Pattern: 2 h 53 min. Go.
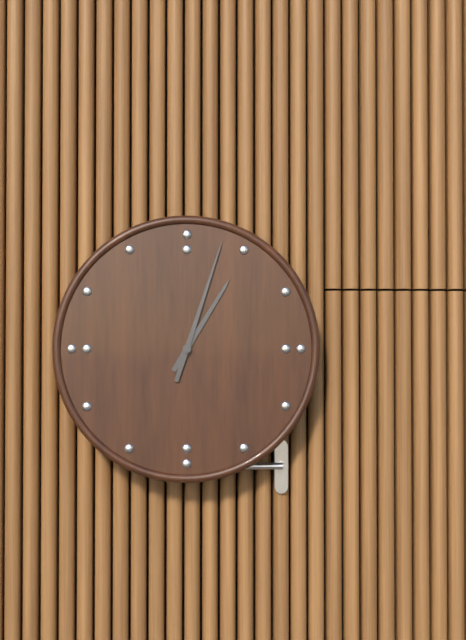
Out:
1 h 03 min
